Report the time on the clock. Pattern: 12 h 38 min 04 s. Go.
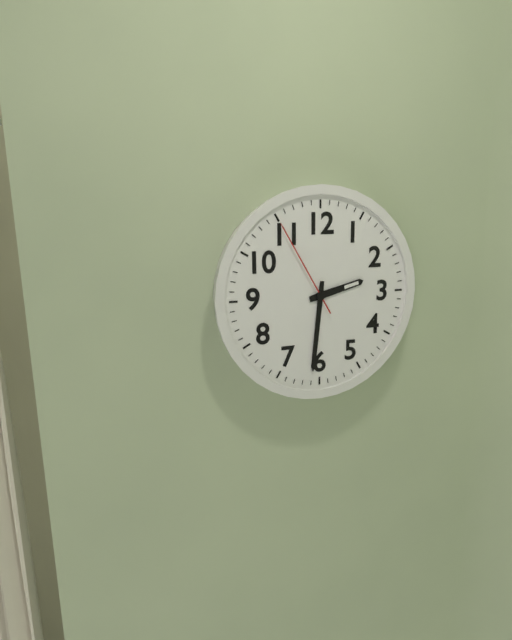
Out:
2 h 31 min 55 s
